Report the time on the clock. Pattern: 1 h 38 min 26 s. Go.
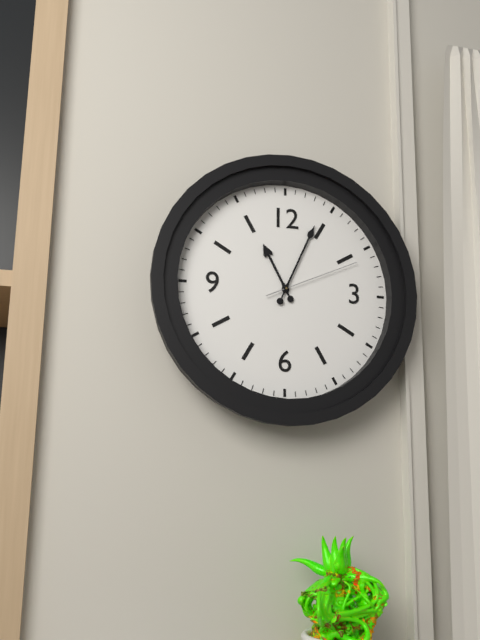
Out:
11 h 04 min 11 s
